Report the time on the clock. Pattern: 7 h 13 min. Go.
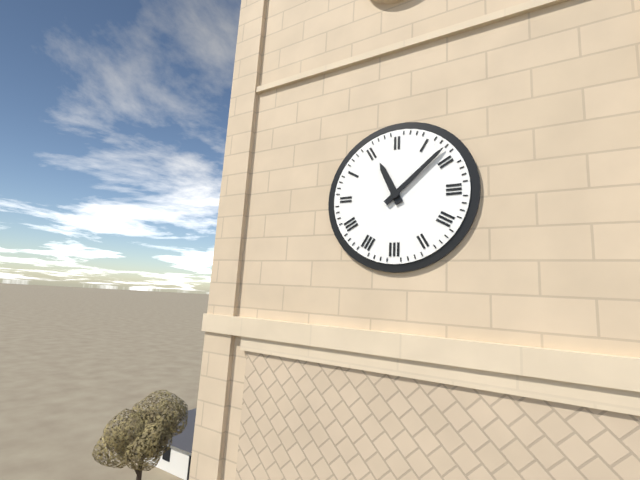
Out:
11 h 08 min
